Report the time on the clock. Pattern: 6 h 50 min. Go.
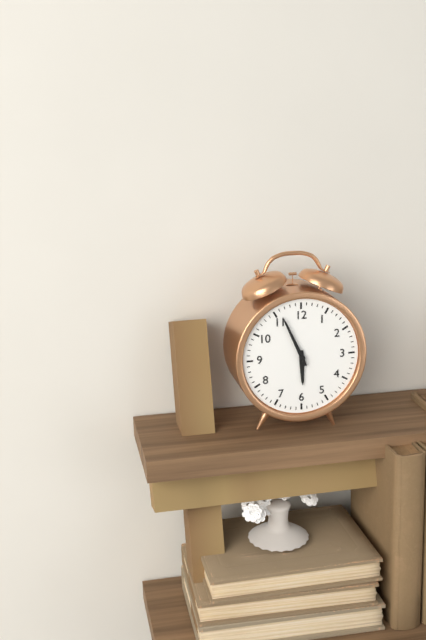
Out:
5 h 56 min
